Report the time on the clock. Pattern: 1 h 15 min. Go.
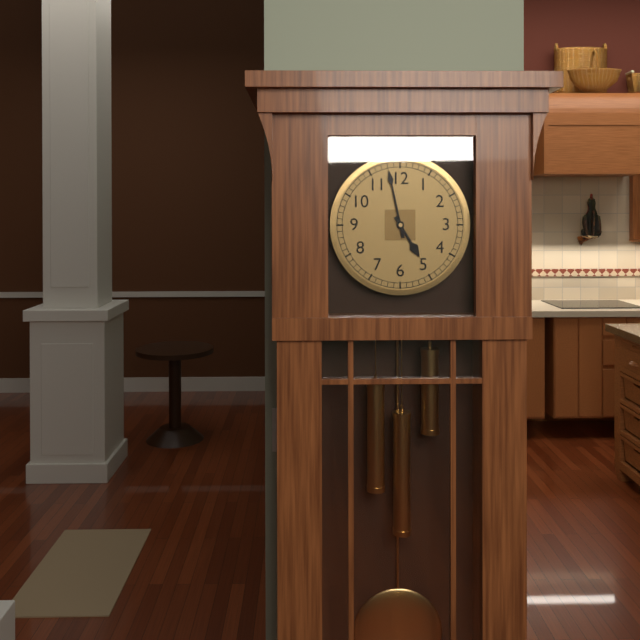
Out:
4 h 58 min
